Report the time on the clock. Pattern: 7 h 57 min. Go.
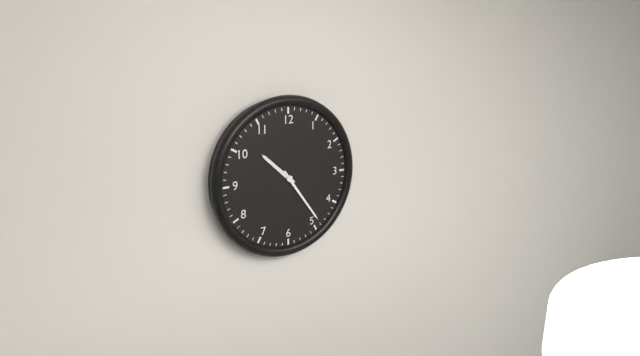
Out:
10 h 24 min
